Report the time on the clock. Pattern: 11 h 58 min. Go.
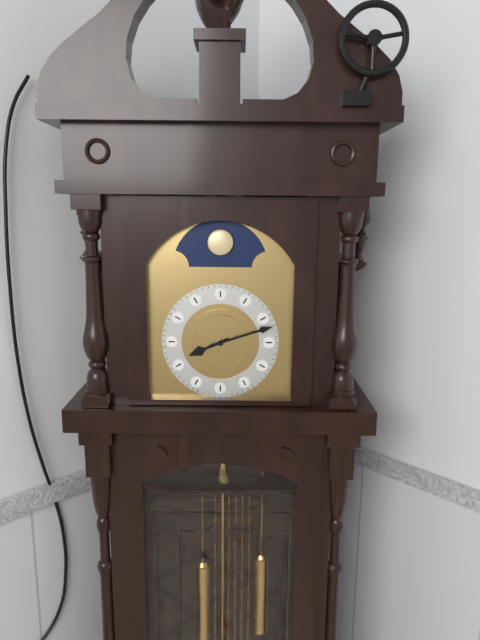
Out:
8 h 12 min
